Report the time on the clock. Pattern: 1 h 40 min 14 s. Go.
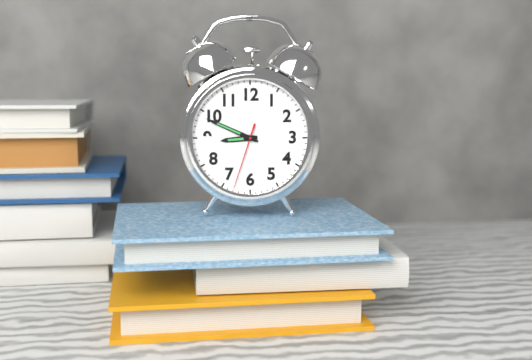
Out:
8 h 49 min 33 s
